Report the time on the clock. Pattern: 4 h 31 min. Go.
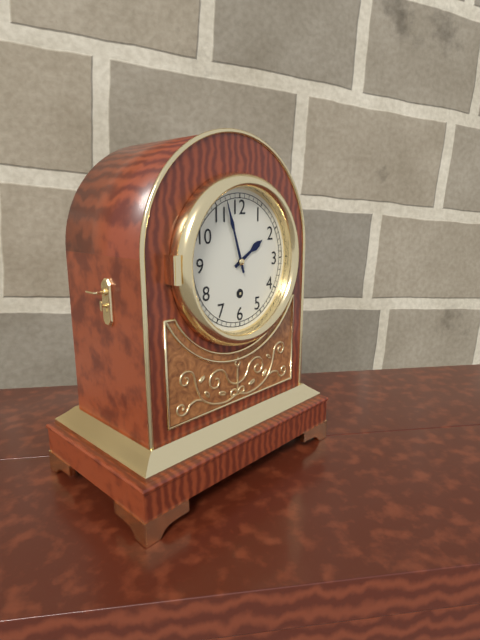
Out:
1 h 57 min
